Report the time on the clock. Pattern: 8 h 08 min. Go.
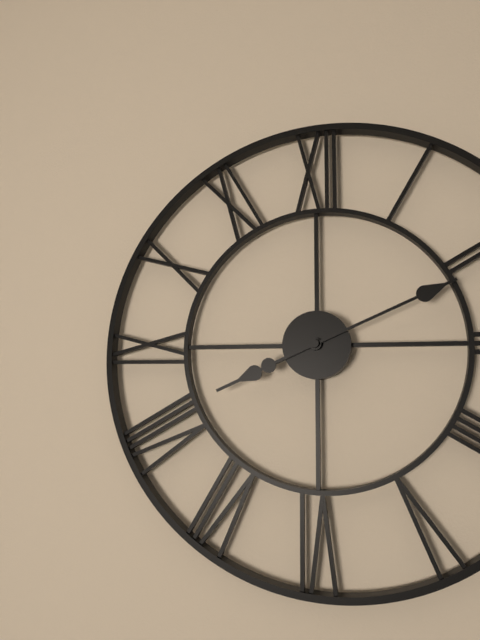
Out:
8 h 11 min
